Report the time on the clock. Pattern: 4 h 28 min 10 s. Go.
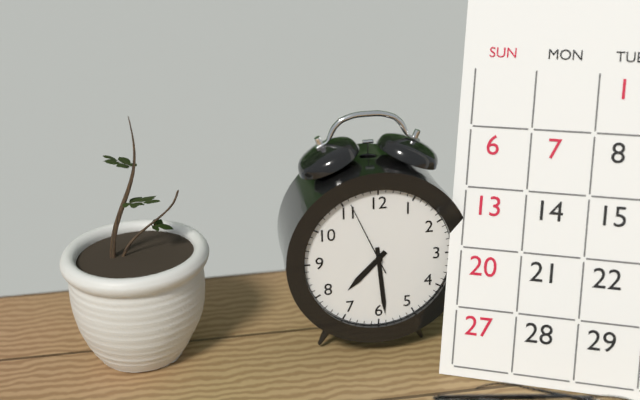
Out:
7 h 29 min 56 s
